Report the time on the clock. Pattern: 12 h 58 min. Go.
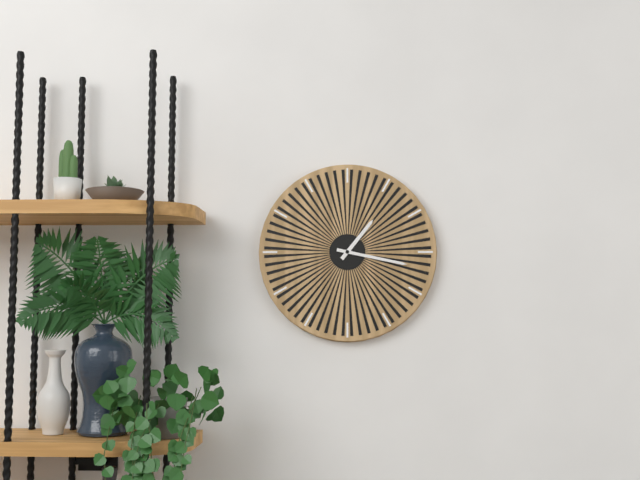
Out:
1 h 17 min
